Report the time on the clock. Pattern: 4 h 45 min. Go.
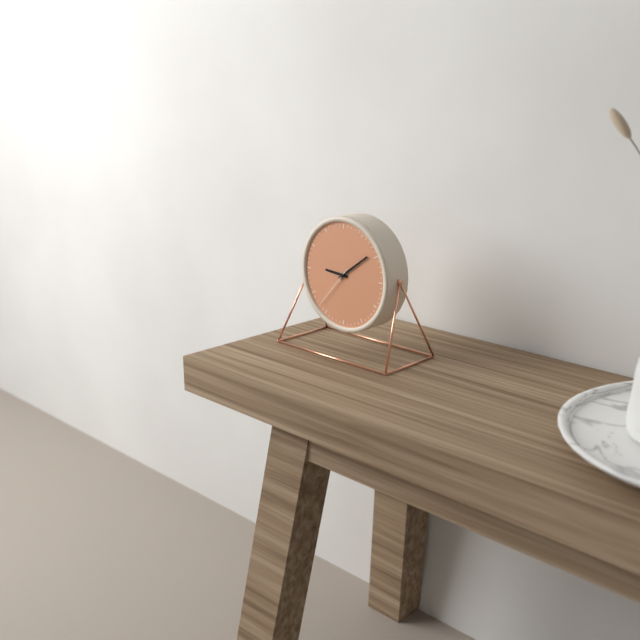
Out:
9 h 09 min
